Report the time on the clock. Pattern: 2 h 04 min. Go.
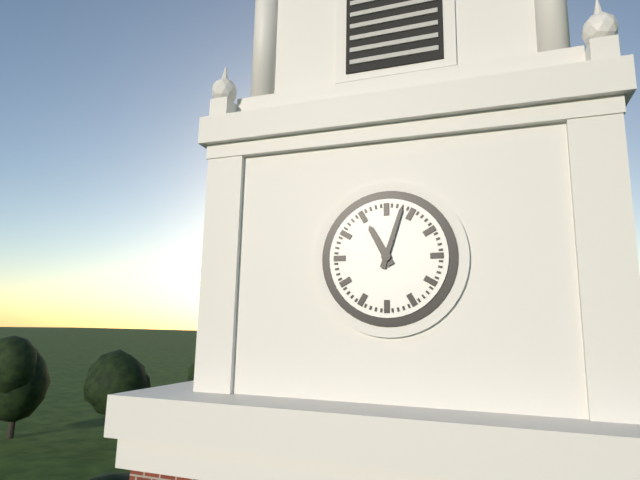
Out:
11 h 03 min
